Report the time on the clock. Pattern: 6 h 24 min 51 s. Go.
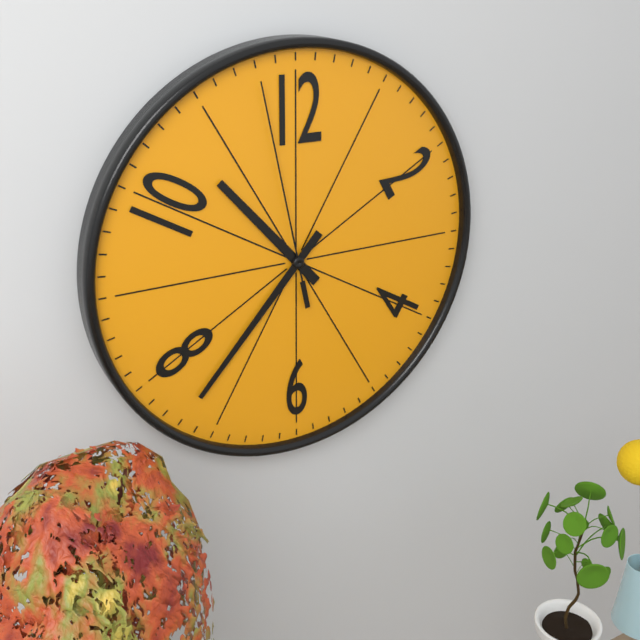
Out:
10 h 37 min 58 s
